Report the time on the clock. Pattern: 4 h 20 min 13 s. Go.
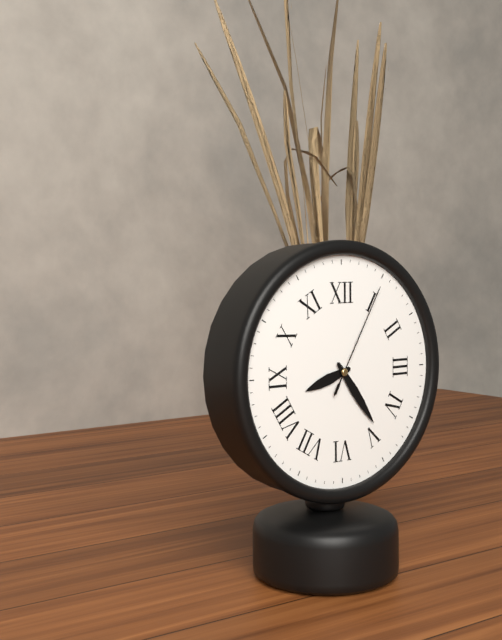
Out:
8 h 24 min 05 s
